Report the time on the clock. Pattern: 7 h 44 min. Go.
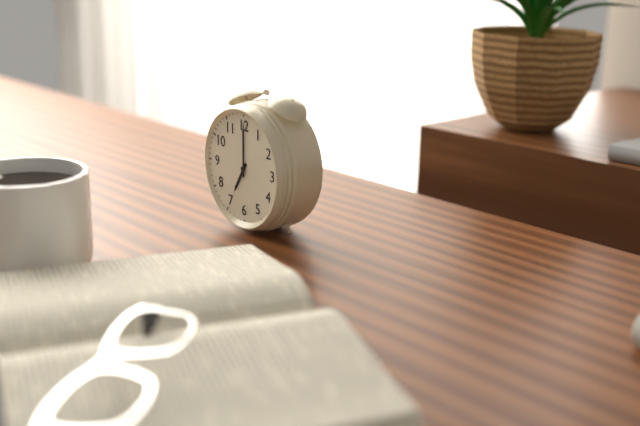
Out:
7 h 00 min
